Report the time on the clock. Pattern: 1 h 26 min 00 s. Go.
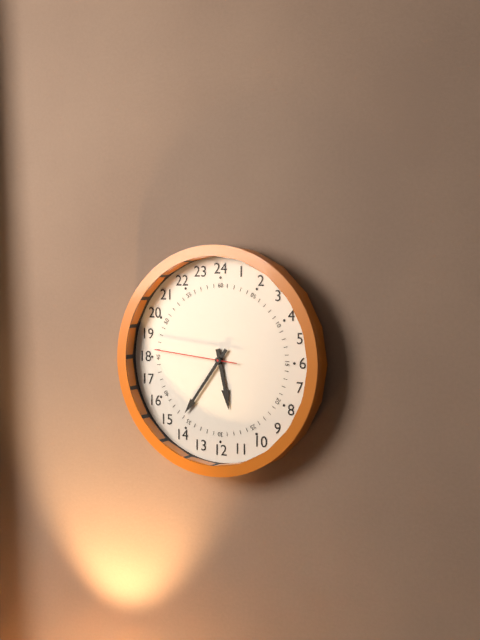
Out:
5 h 36 min 46 s
